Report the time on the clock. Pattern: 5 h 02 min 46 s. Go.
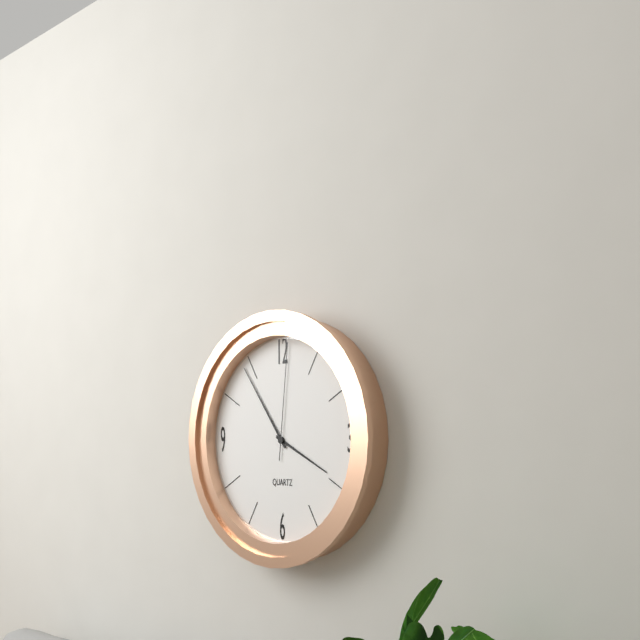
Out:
3 h 54 min 01 s
